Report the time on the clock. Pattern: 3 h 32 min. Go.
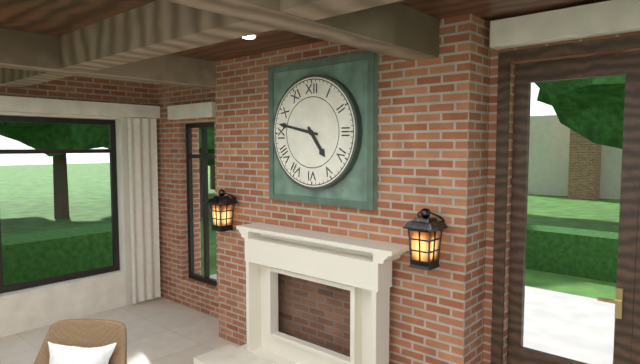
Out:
4 h 47 min
